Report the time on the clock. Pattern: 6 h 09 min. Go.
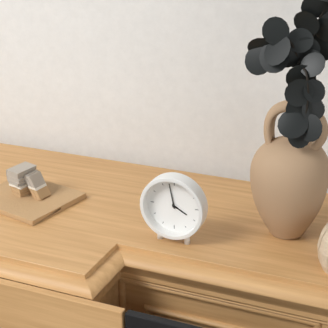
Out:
3 h 58 min
